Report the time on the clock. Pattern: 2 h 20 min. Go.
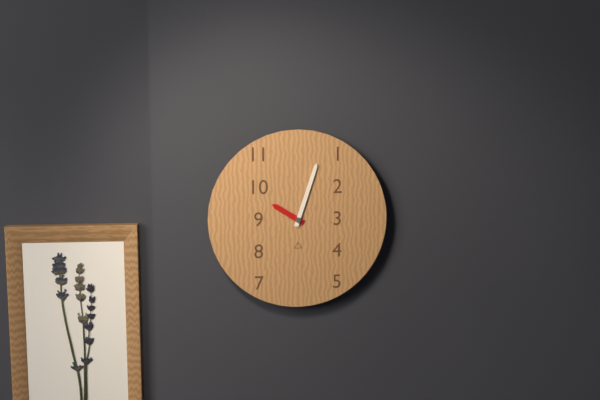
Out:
10 h 03 min
